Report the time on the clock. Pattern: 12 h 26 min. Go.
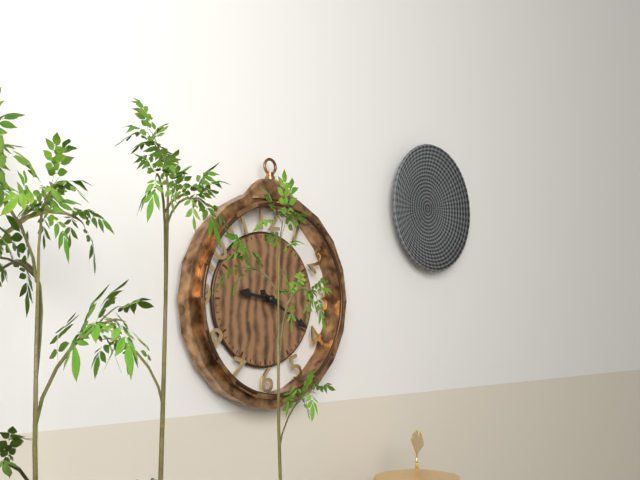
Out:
9 h 20 min
